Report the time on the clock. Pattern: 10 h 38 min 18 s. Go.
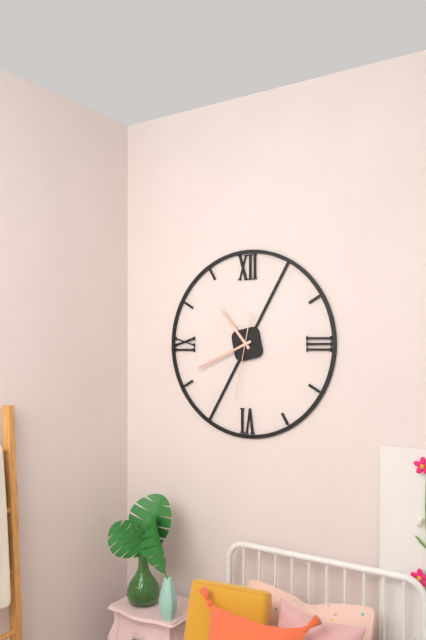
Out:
10 h 41 min 32 s
